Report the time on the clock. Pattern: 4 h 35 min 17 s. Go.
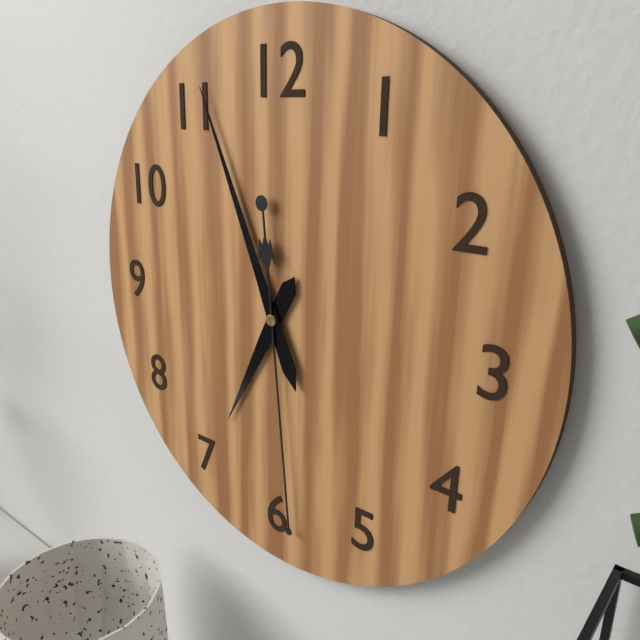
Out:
6 h 56 min 29 s
